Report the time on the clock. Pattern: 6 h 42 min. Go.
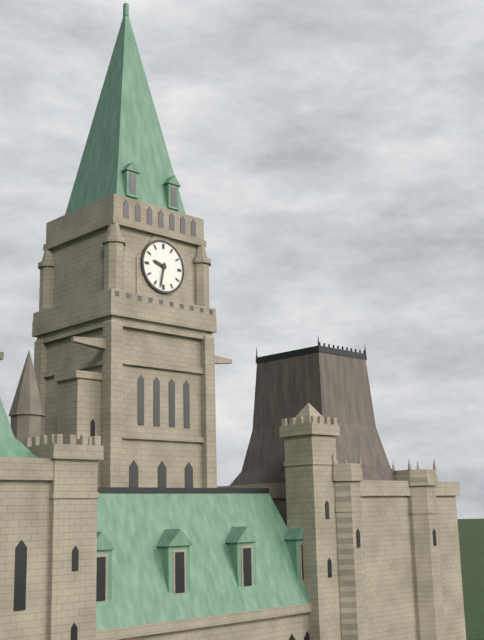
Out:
9 h 32 min
